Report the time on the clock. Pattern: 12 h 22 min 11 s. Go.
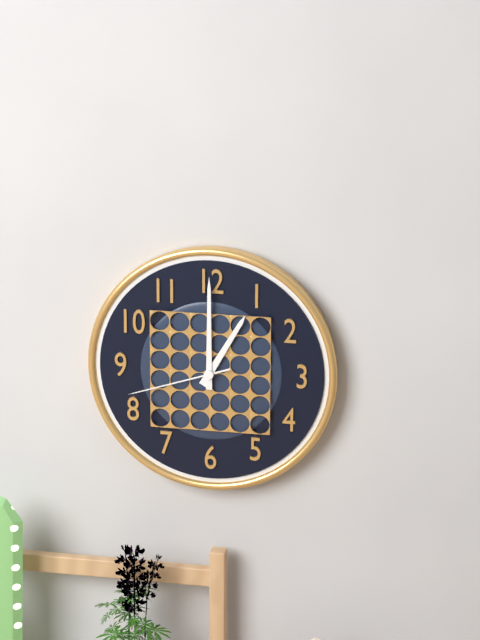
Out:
1 h 00 min 42 s
